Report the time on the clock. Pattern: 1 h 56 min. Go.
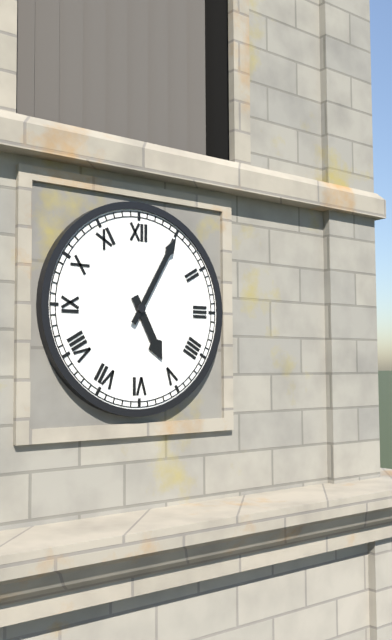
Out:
5 h 05 min
